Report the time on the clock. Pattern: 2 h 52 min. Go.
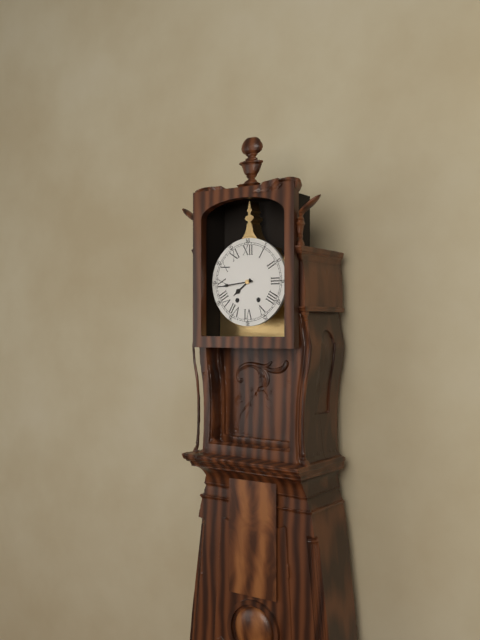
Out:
7 h 44 min
